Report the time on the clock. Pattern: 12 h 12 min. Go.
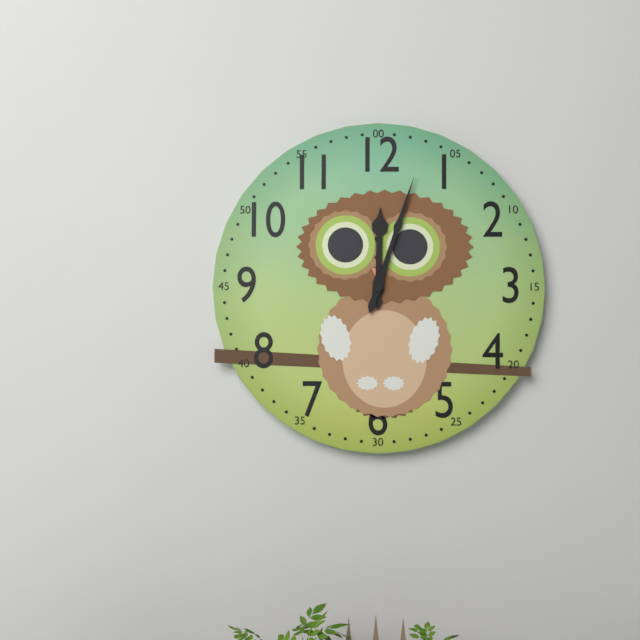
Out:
12 h 03 min
